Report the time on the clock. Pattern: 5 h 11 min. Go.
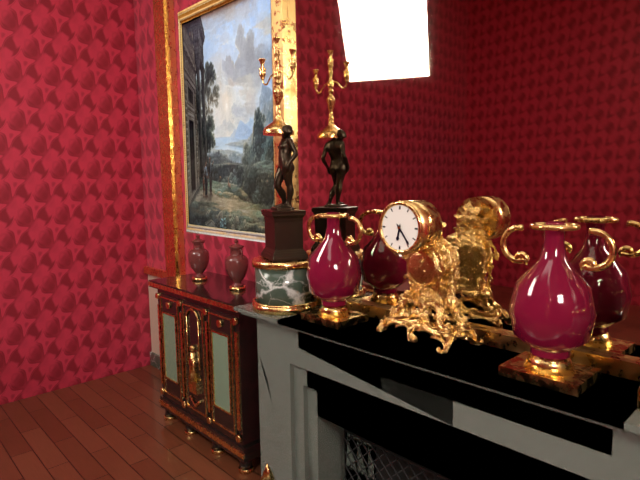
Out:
6 h 24 min
